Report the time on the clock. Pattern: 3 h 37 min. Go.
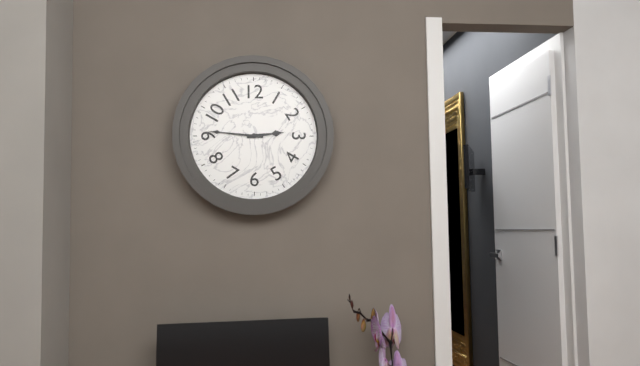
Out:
2 h 46 min
